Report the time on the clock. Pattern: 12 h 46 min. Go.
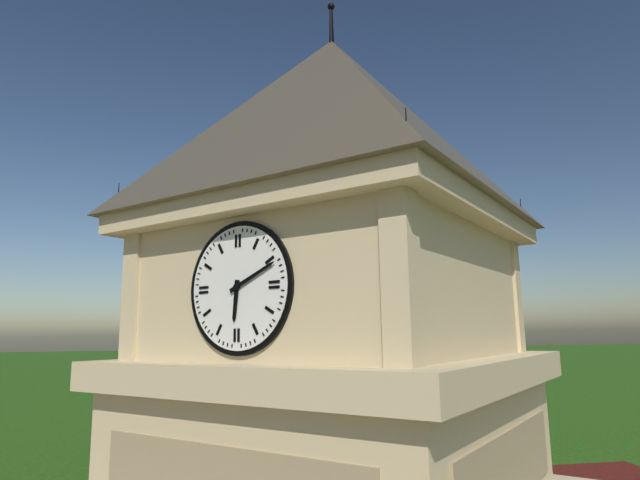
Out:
6 h 11 min
